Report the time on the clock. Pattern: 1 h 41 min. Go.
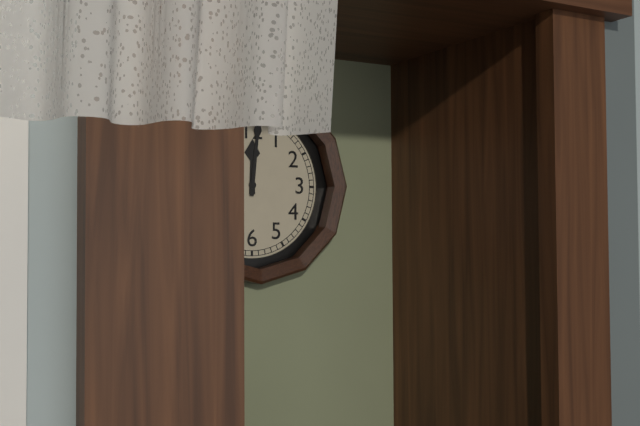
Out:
12 h 01 min
